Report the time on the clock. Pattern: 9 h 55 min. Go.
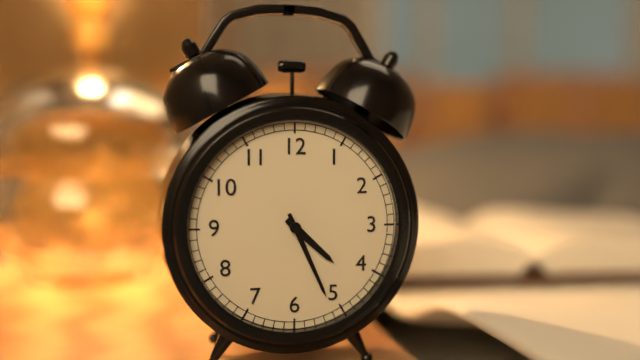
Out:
4 h 26 min
